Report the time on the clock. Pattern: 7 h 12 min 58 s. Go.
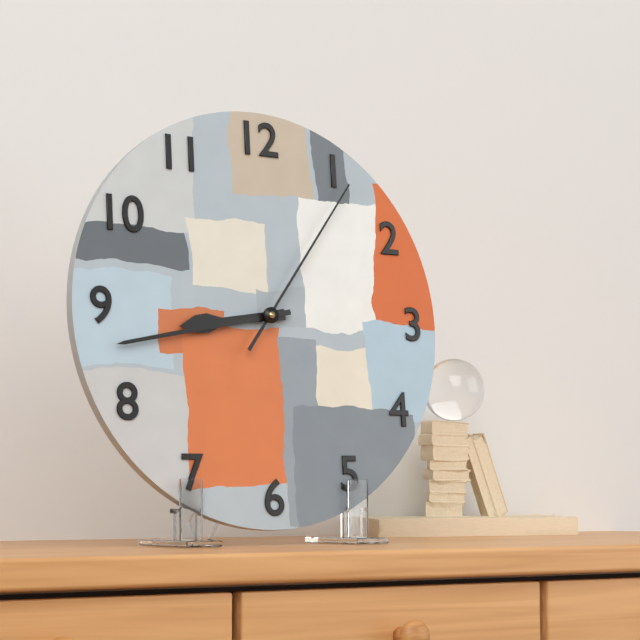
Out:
8 h 43 min 06 s
